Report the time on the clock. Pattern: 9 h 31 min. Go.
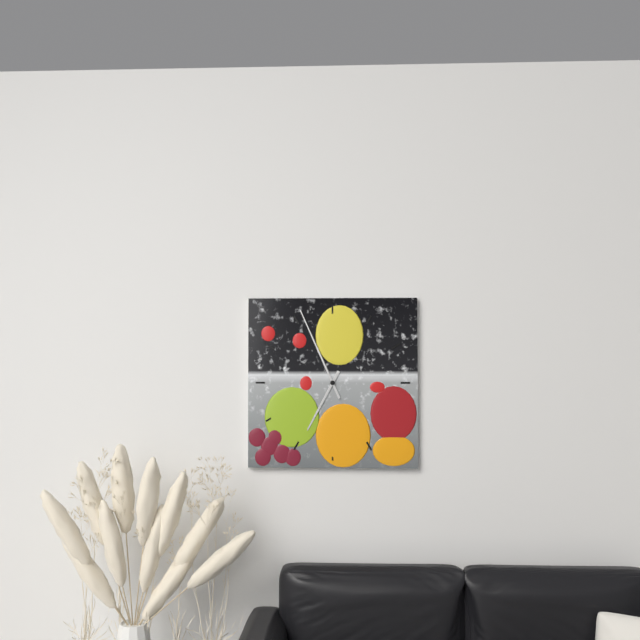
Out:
6 h 56 min
